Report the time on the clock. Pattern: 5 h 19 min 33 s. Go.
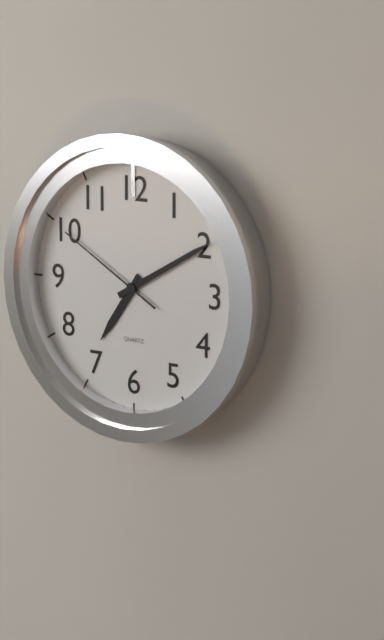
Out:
7 h 10 min 50 s
